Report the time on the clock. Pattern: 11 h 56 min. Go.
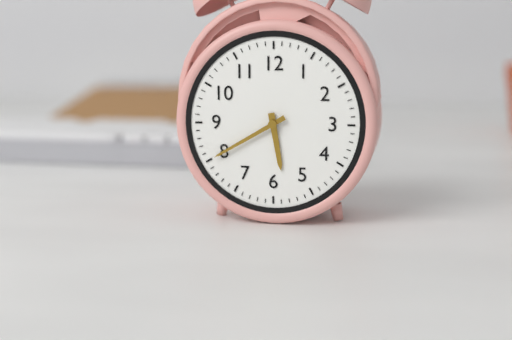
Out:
5 h 40 min
